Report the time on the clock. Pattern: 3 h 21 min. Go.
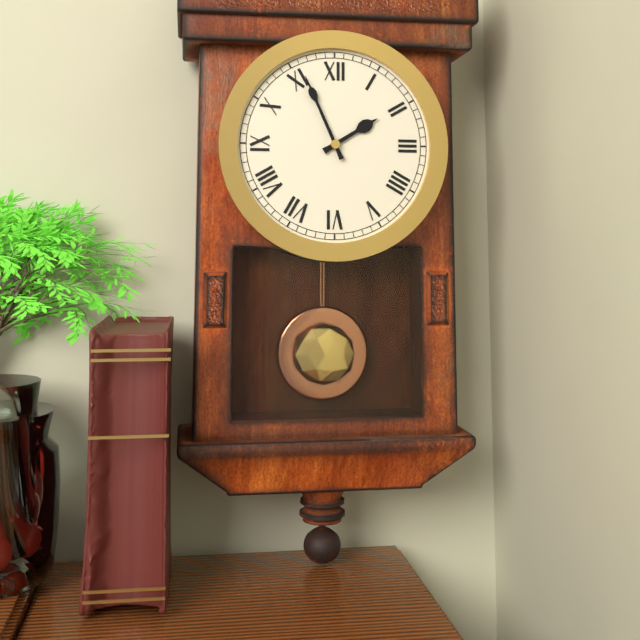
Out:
1 h 56 min
